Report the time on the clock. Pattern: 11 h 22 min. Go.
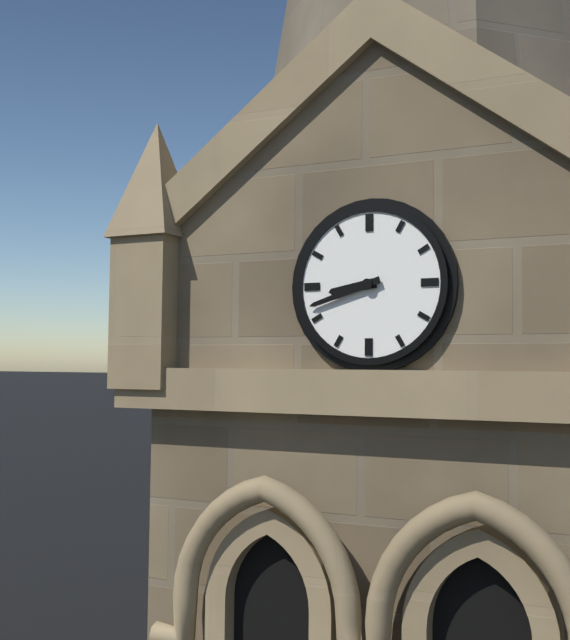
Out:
8 h 42 min
